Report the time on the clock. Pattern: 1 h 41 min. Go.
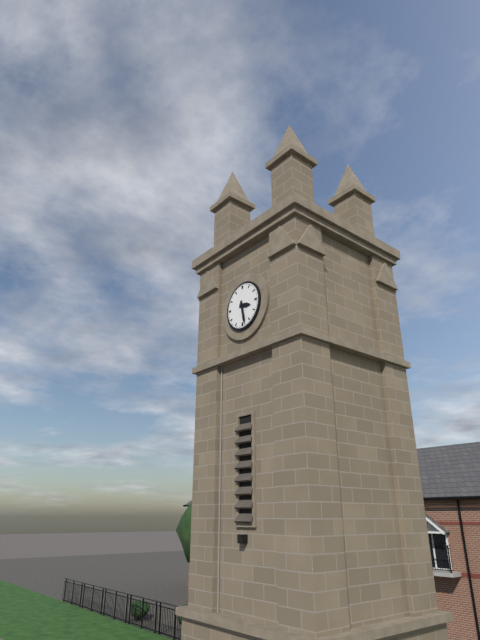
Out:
3 h 28 min
